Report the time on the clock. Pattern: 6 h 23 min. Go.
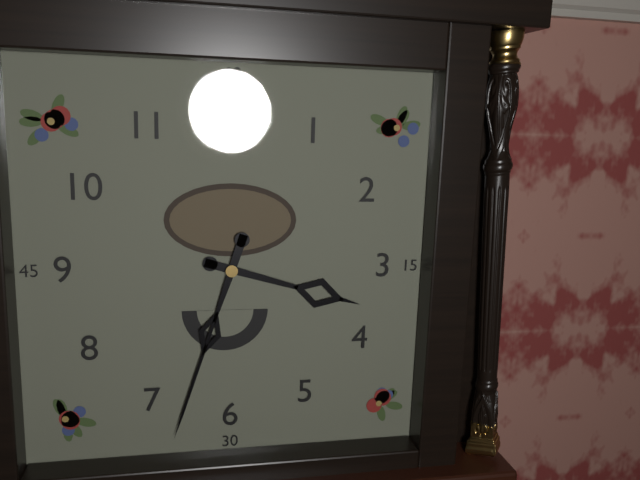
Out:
3 h 33 min
